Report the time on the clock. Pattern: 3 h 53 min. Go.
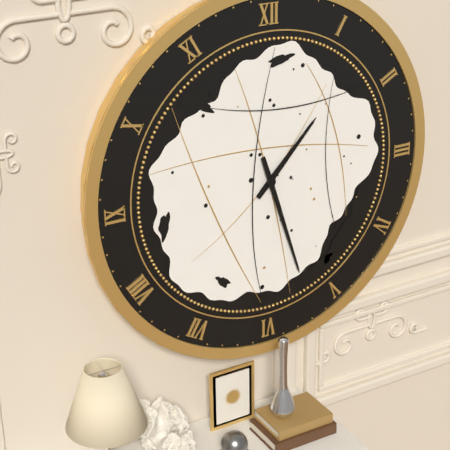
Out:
1 h 27 min
